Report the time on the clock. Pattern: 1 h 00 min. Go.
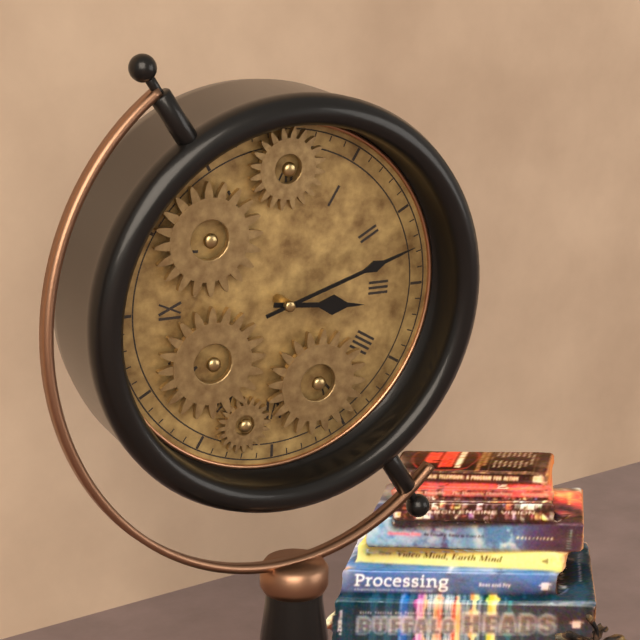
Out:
3 h 12 min
